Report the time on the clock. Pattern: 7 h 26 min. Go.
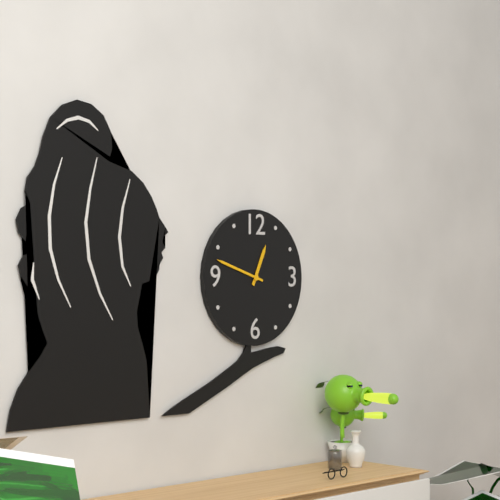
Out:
12 h 48 min
